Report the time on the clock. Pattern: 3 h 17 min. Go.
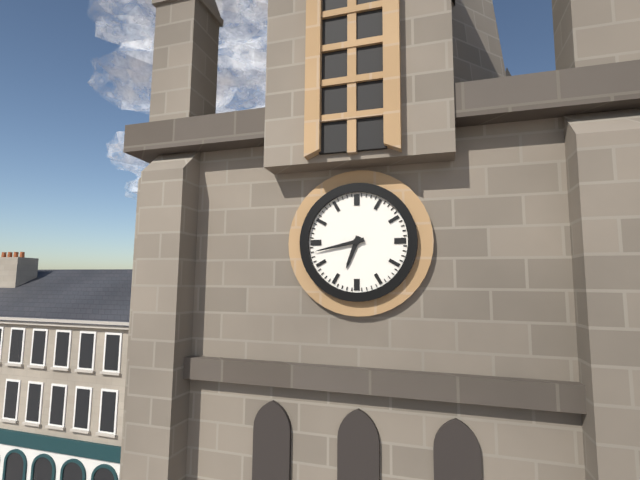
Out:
6 h 43 min
